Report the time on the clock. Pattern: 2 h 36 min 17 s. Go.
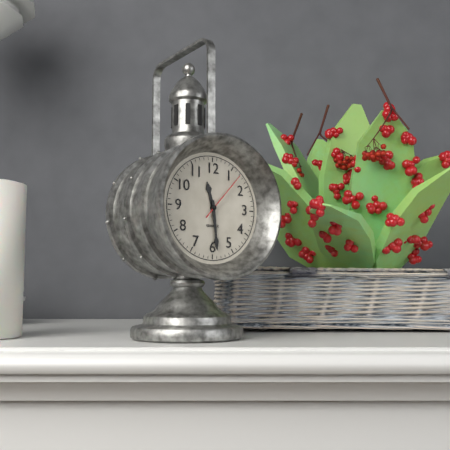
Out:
11 h 29 min 07 s
